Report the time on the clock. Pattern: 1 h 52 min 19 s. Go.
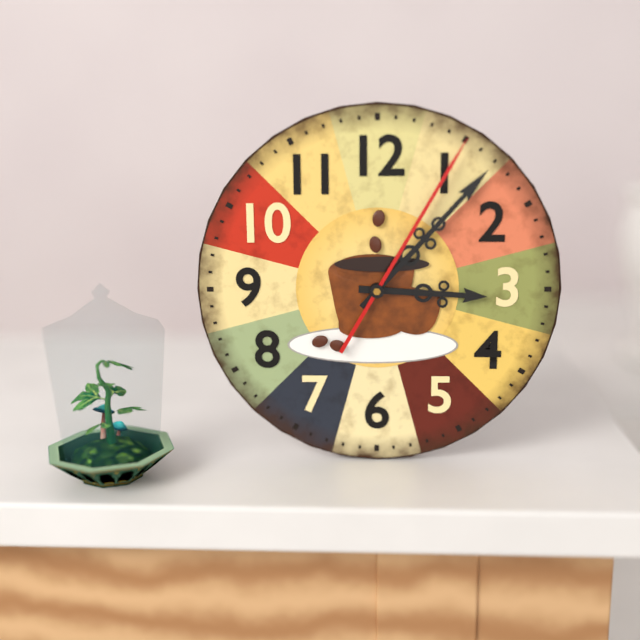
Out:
3 h 07 min 05 s
